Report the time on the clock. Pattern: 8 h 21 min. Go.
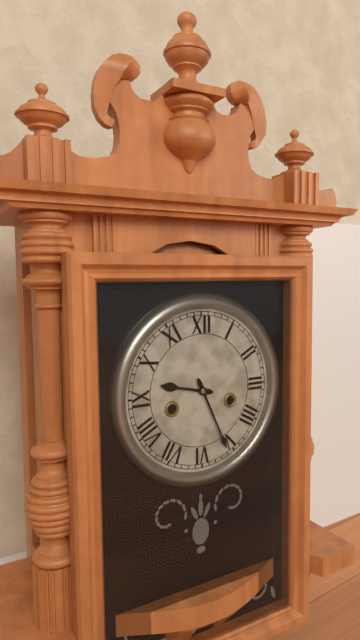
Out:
9 h 26 min
